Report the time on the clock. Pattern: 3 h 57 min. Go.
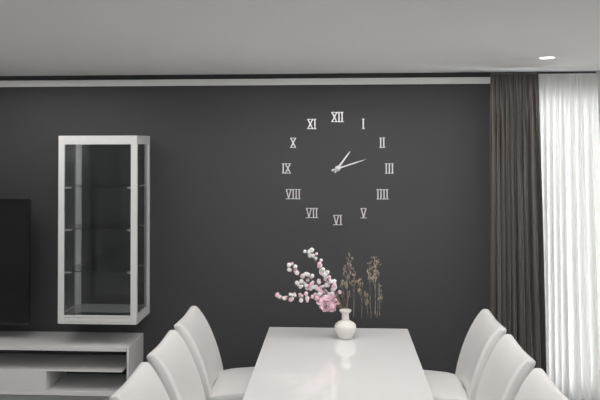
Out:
1 h 12 min
